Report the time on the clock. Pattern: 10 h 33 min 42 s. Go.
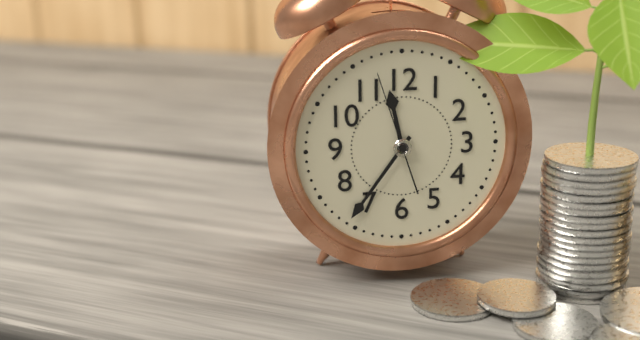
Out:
11 h 36 min 57 s
